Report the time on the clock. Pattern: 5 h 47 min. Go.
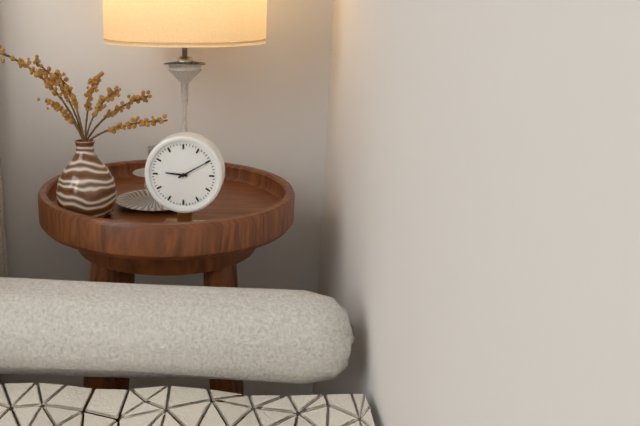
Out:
9 h 10 min
